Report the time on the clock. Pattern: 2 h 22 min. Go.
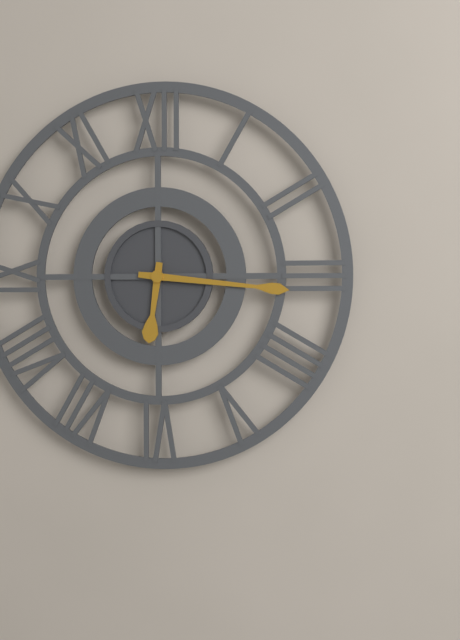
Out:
6 h 16 min
